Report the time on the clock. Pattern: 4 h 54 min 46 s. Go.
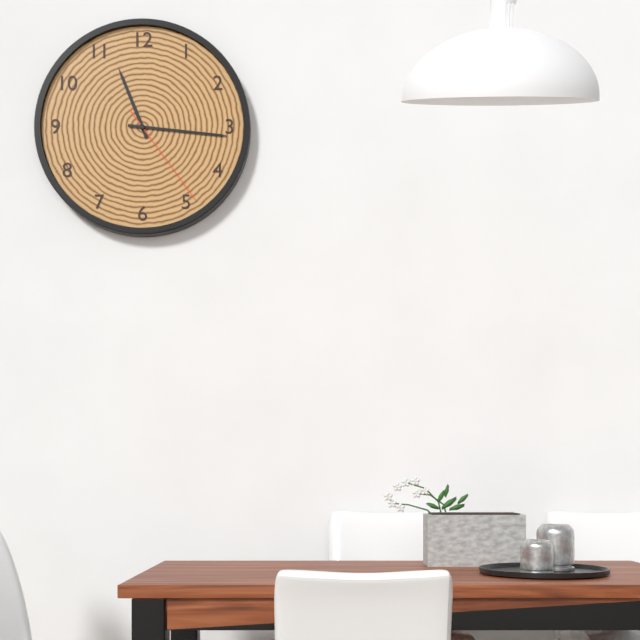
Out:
11 h 16 min 24 s
